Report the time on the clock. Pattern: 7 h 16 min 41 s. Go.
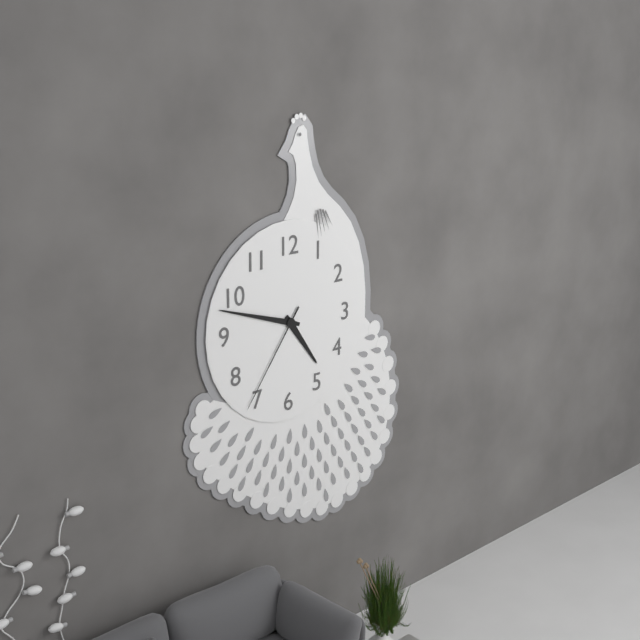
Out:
4 h 48 min 36 s
